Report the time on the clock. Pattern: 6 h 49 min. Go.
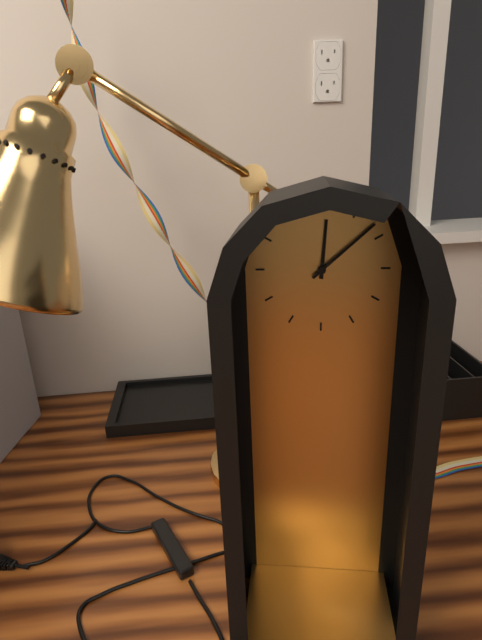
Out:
12 h 08 min
